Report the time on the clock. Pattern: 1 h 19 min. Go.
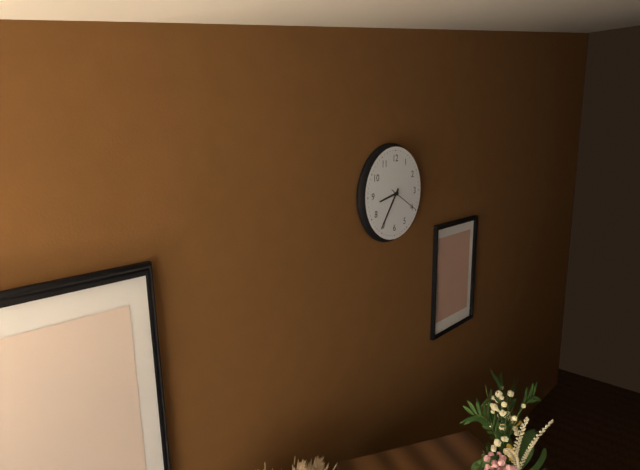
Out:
8 h 36 min
